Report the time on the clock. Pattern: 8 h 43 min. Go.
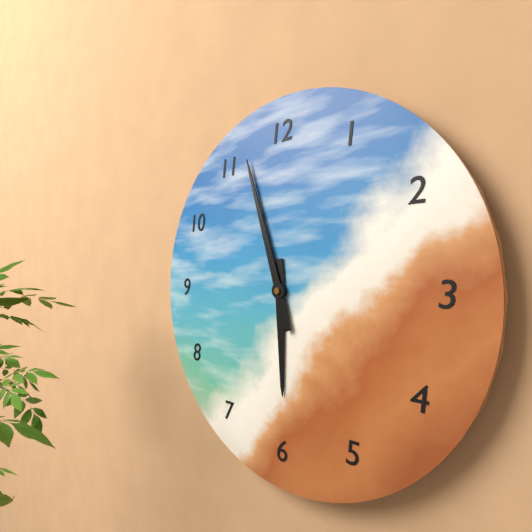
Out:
5 h 57 min
